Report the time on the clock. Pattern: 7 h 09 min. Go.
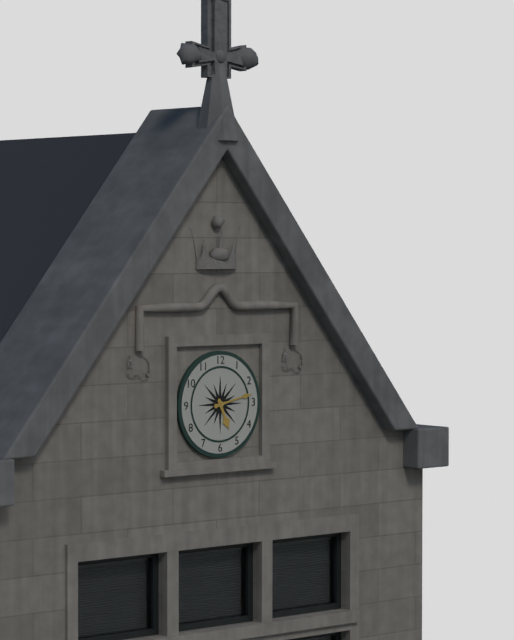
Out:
5 h 13 min
